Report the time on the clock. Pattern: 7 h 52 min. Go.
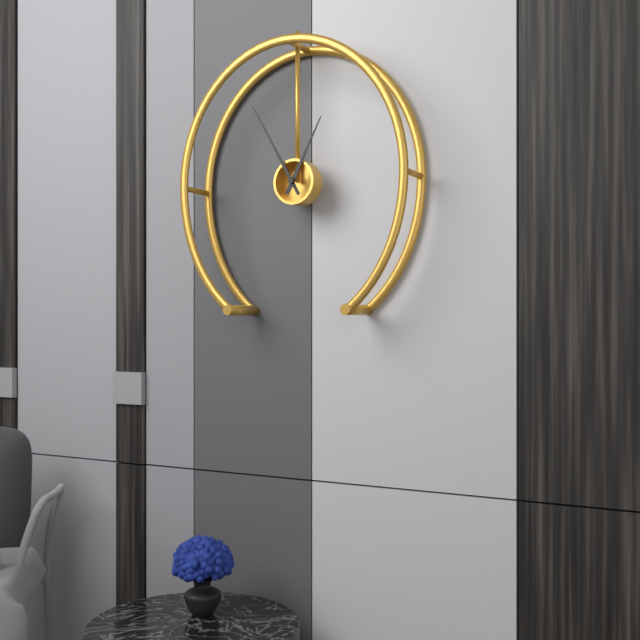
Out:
12 h 55 min
